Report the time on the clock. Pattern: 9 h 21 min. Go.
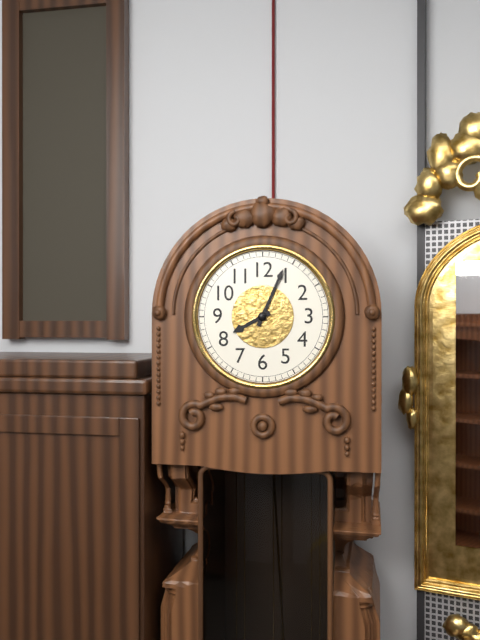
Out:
8 h 04 min
